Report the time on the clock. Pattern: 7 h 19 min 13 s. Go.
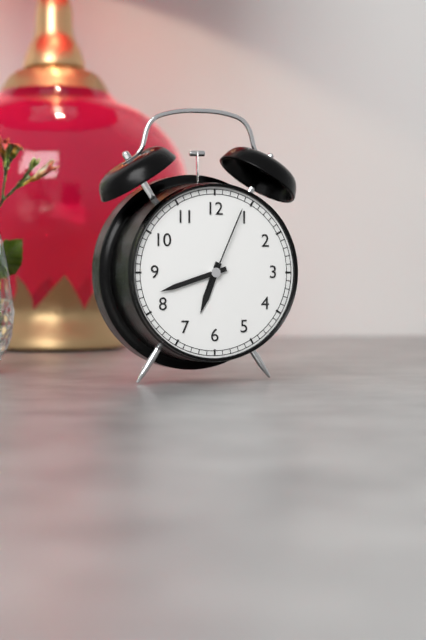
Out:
6 h 42 min 04 s
